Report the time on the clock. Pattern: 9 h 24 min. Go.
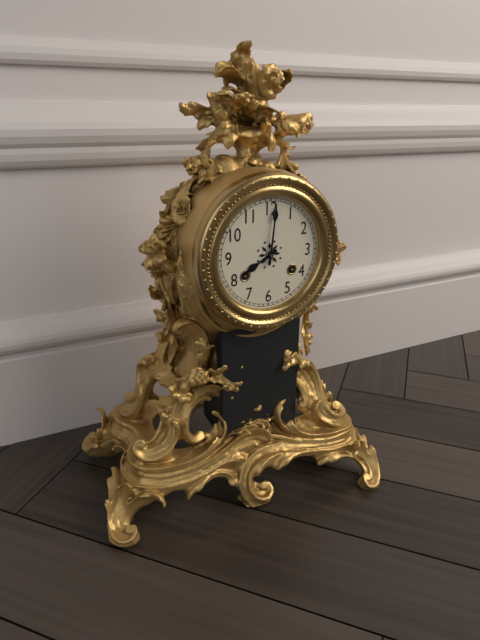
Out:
8 h 01 min
